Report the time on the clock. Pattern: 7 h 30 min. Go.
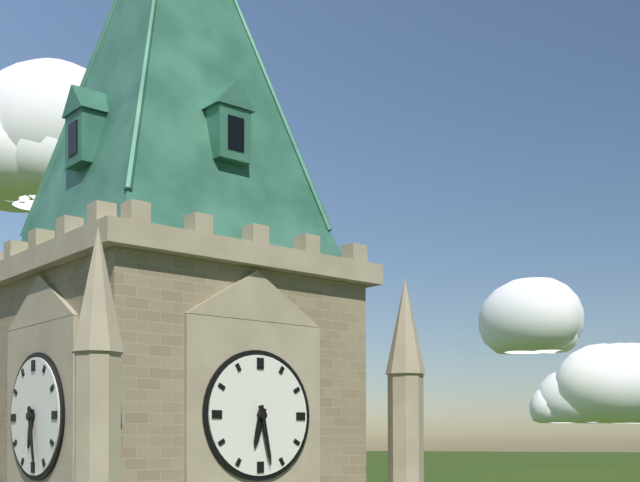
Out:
6 h 28 min
